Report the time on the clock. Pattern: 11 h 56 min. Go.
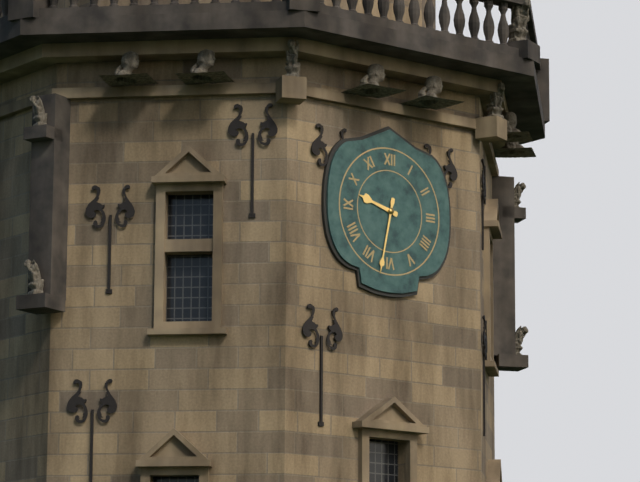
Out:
9 h 32 min
